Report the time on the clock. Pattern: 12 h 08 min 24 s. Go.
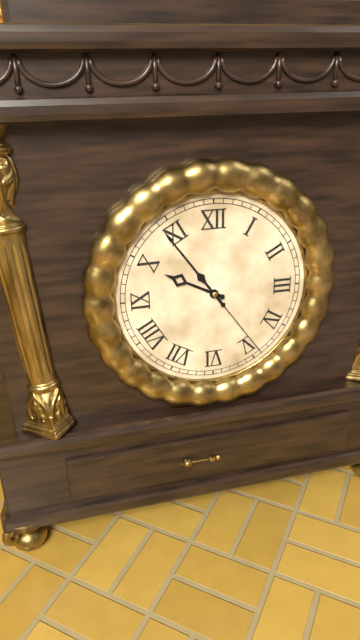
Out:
9 h 54 min 24 s
